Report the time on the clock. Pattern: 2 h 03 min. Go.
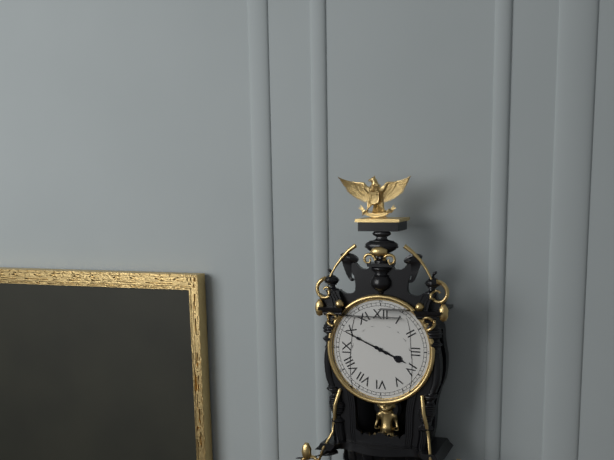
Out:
3 h 49 min
